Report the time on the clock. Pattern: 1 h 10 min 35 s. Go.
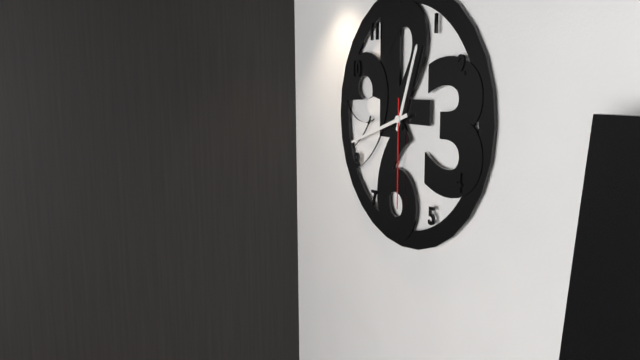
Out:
12 h 42 min 30 s
